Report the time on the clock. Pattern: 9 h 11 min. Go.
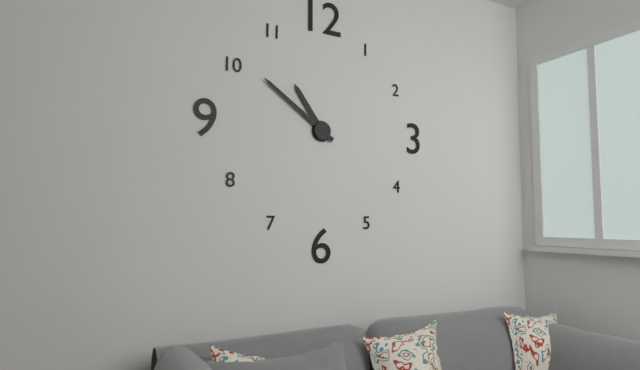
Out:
10 h 51 min
